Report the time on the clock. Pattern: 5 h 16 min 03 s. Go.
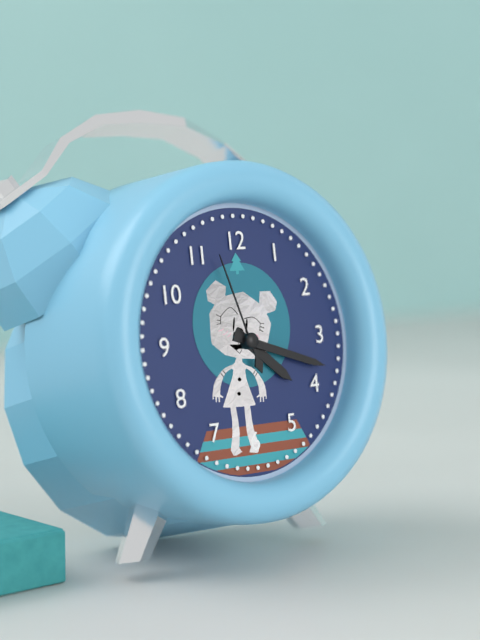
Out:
4 h 18 min 57 s
